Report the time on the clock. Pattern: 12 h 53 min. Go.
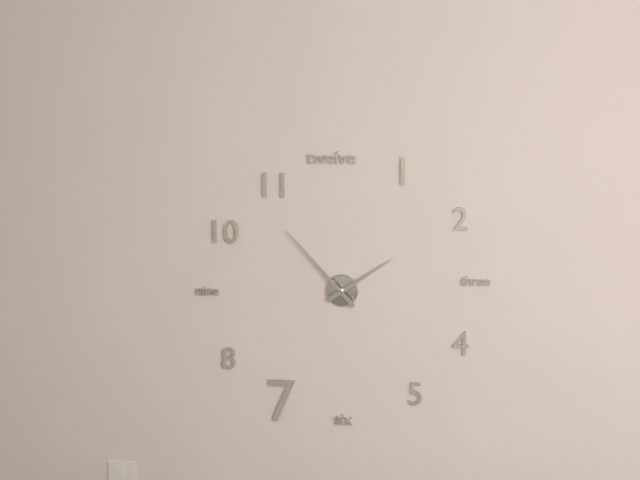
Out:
1 h 53 min
